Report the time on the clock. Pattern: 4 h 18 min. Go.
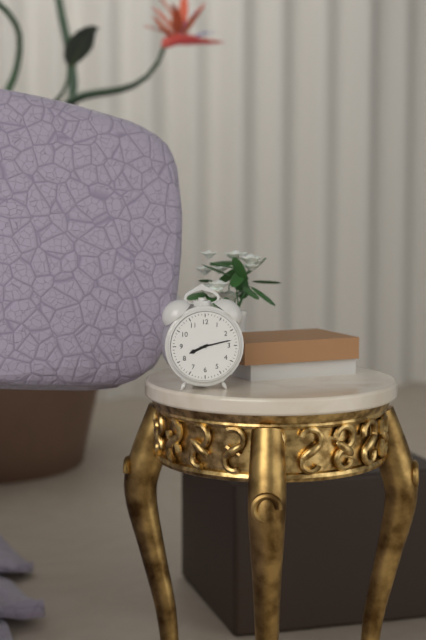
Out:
8 h 13 min
